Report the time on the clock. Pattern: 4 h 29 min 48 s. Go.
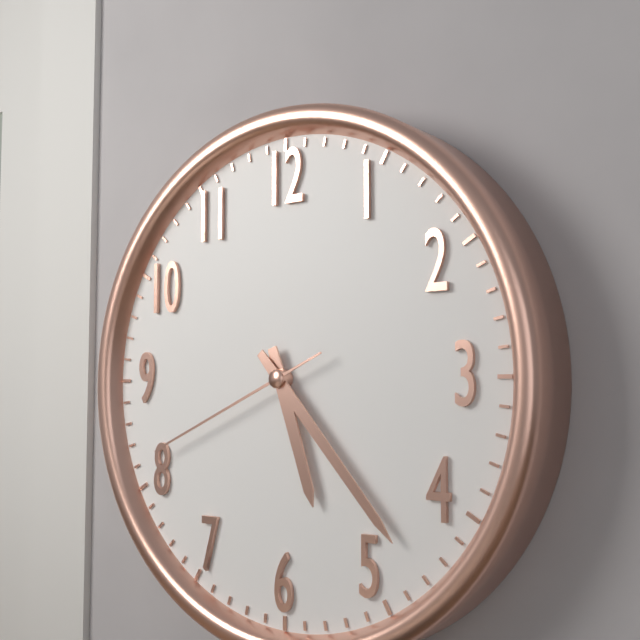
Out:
5 h 23 min 41 s
